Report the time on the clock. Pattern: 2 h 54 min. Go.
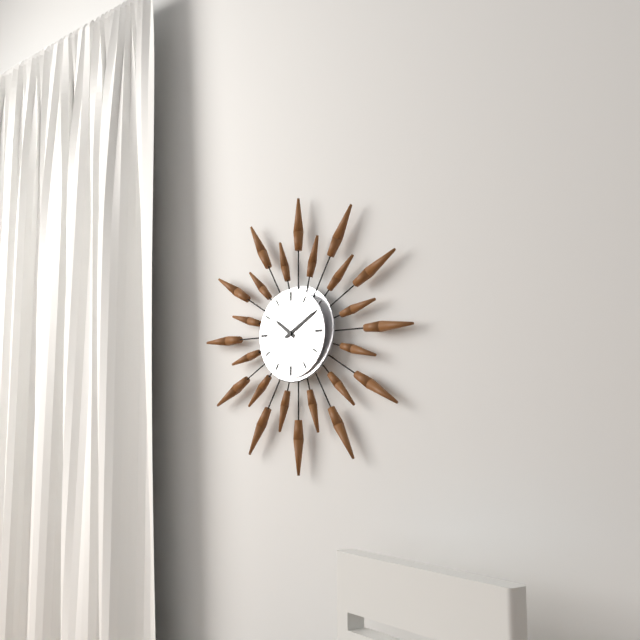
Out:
10 h 10 min
